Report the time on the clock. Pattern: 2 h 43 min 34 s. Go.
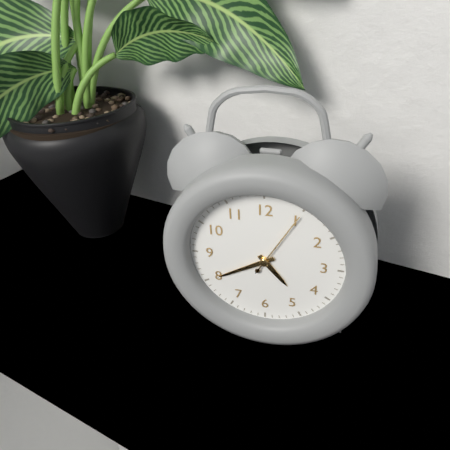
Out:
4 h 40 min 05 s
